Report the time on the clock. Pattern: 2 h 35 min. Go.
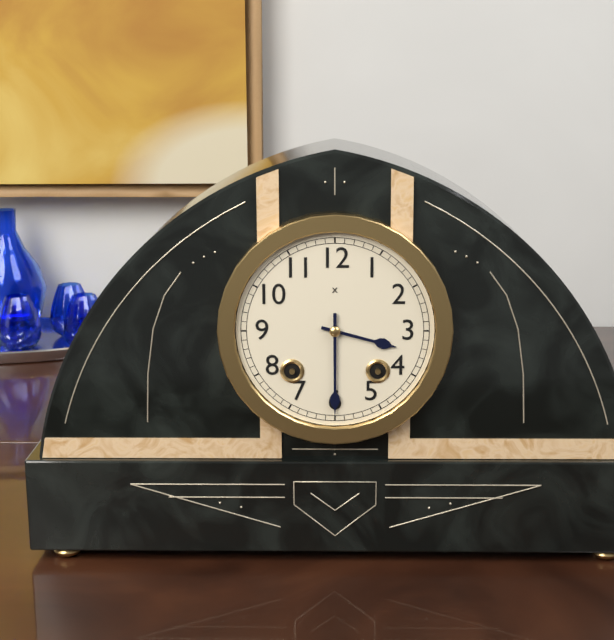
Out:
3 h 30 min
